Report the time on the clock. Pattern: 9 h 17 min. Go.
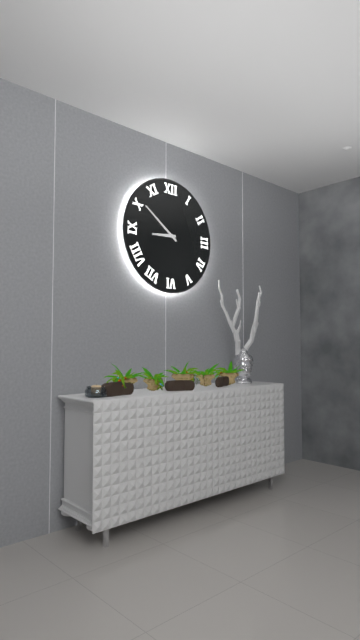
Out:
8 h 51 min
